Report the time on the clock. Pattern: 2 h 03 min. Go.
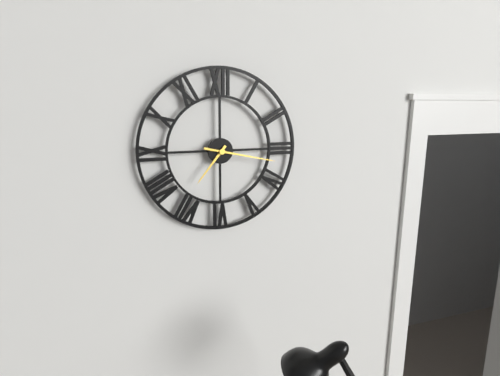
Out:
7 h 17 min
